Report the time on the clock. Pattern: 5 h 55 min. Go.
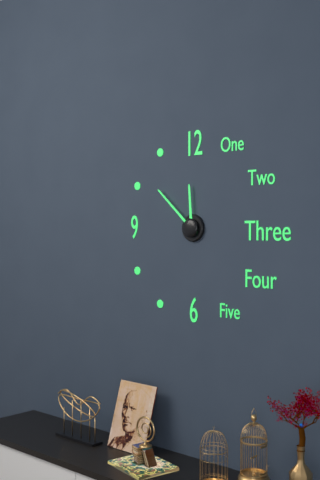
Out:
11 h 52 min
